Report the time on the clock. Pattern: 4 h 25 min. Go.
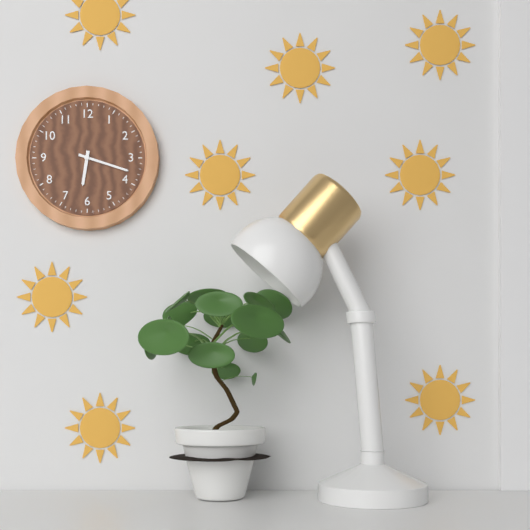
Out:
6 h 18 min
